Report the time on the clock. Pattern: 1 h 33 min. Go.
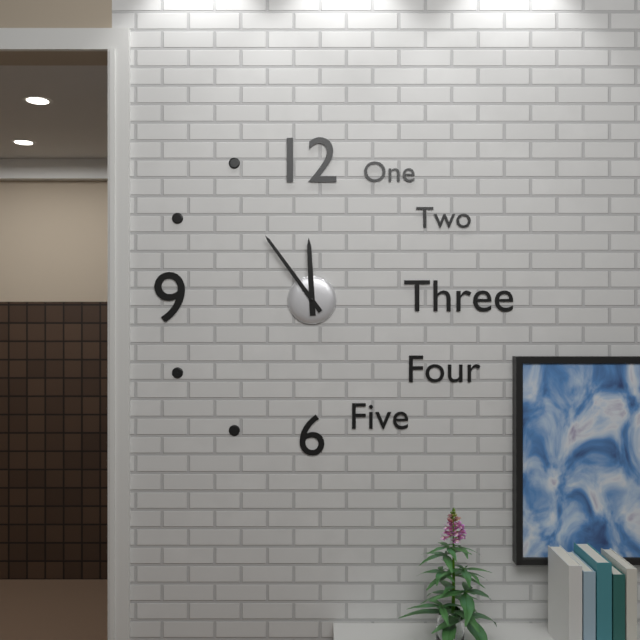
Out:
11 h 54 min
